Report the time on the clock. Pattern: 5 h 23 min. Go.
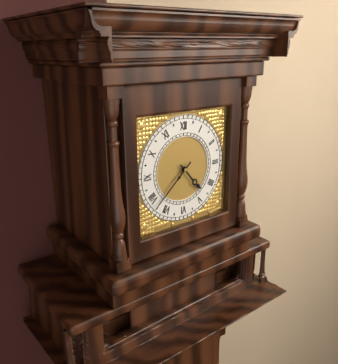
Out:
4 h 38 min
